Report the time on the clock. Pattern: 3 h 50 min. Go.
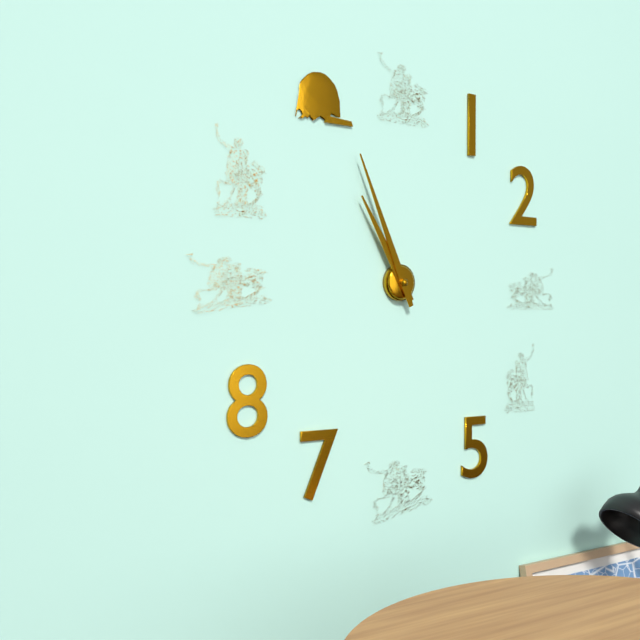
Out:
10 h 56 min
